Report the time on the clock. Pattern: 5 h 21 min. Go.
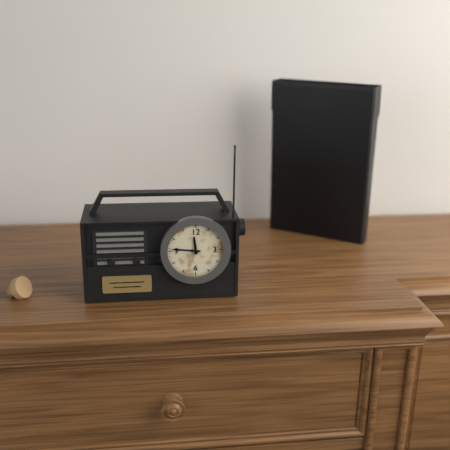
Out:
11 h 46 min
